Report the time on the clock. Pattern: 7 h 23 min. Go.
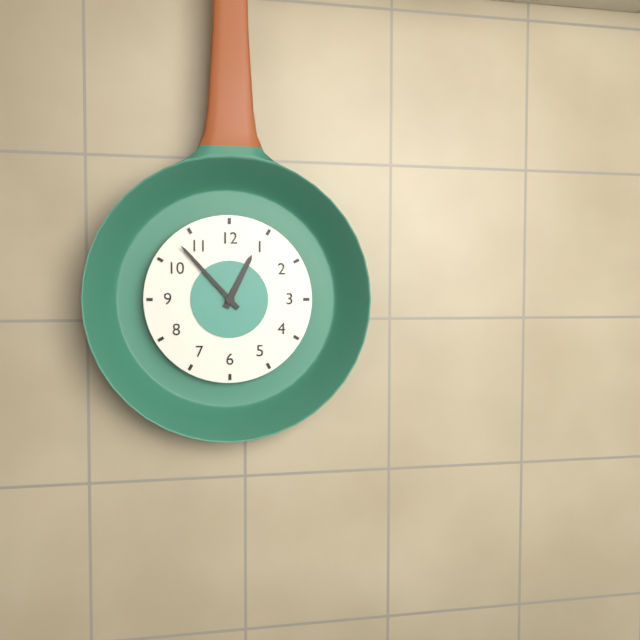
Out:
12 h 53 min
